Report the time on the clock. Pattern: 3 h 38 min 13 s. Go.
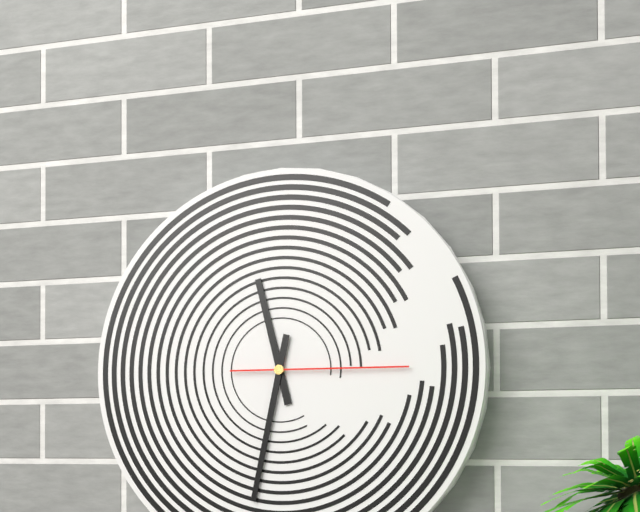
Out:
11 h 32 min 15 s
